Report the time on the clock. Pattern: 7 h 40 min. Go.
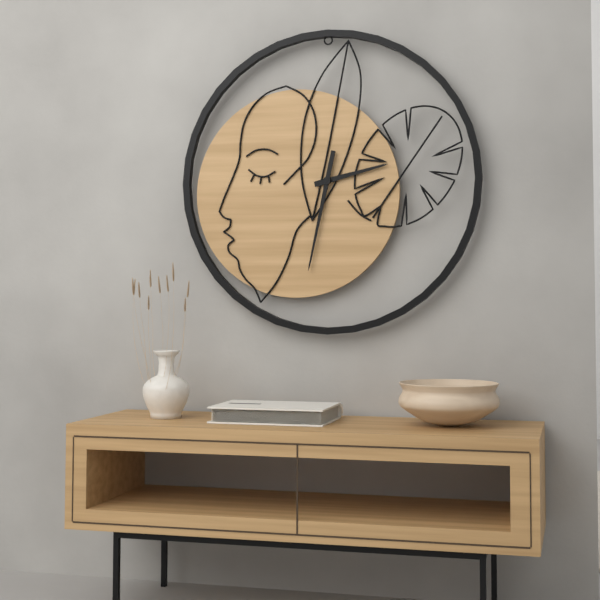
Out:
2 h 32 min
